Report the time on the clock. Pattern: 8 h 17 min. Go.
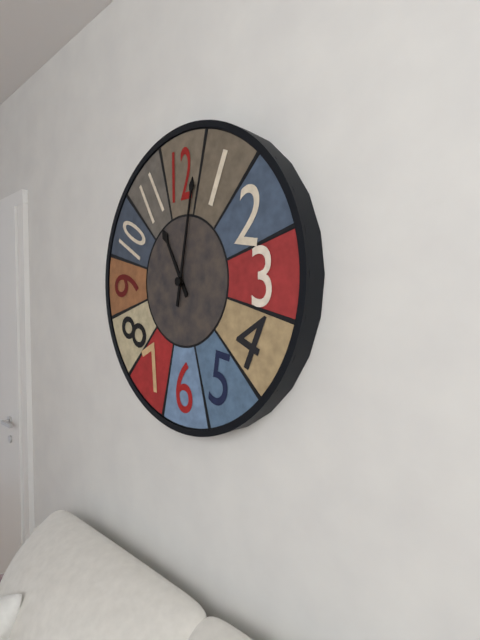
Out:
11 h 02 min
